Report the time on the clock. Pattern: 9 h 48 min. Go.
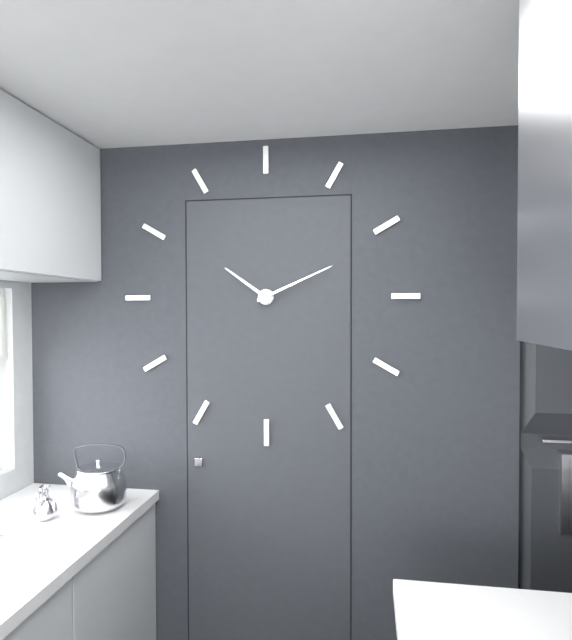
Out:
10 h 11 min
